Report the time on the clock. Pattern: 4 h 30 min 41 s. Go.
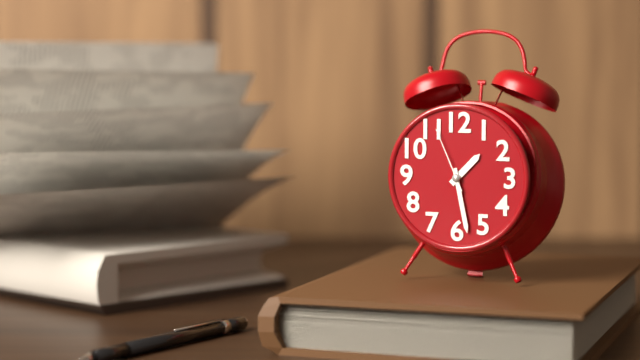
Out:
1 h 28 min 56 s
